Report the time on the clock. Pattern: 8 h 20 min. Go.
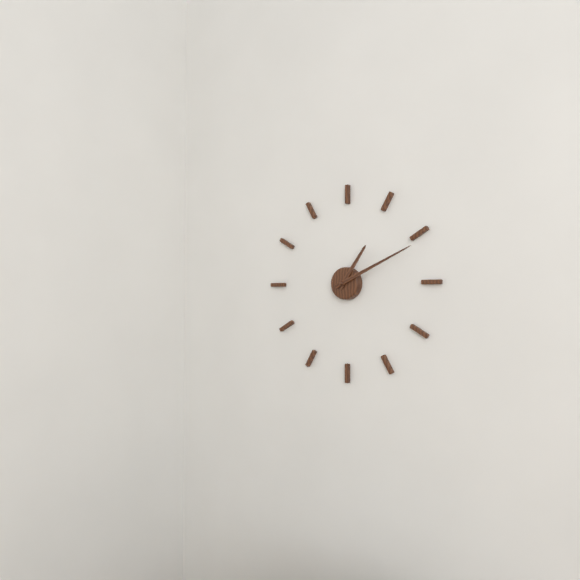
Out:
1 h 11 min
